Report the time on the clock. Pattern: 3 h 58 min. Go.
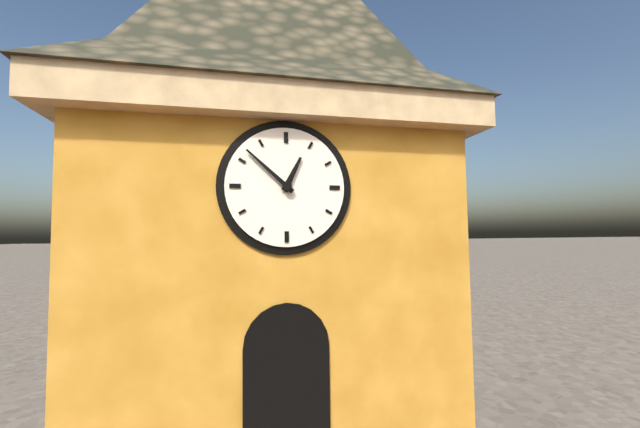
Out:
12 h 52 min
